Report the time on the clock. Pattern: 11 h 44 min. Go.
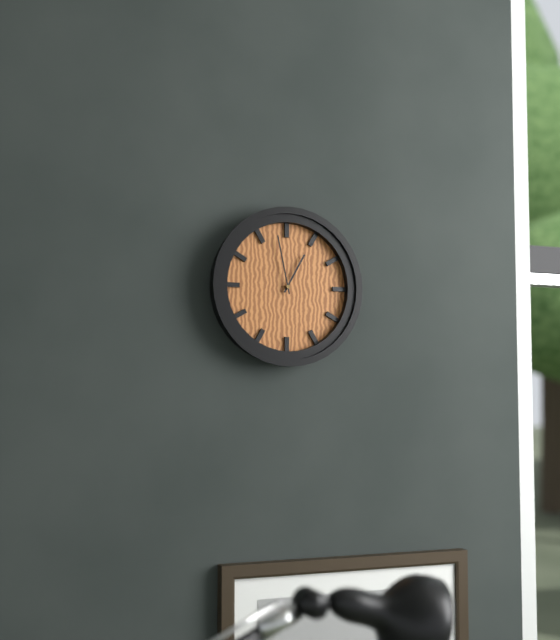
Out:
12 h 58 min
